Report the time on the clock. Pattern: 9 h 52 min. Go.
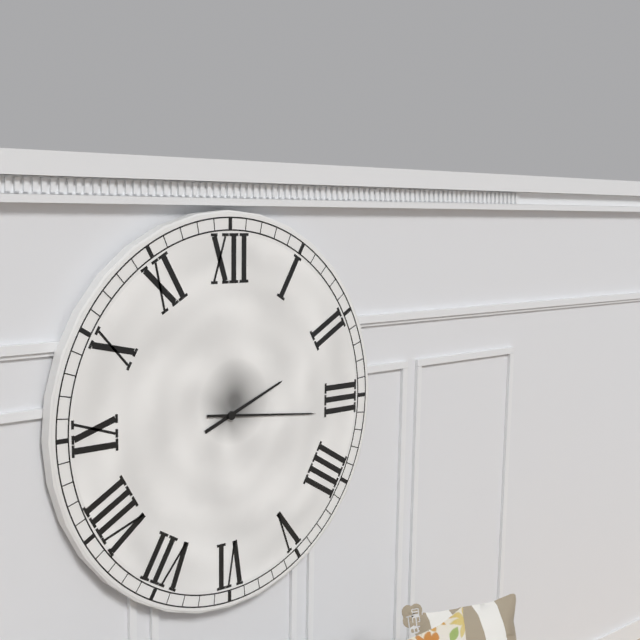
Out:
2 h 16 min
